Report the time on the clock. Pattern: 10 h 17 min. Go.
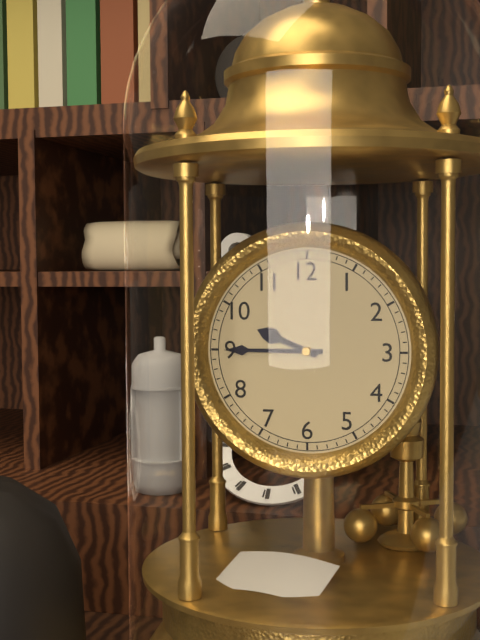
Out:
9 h 45 min
